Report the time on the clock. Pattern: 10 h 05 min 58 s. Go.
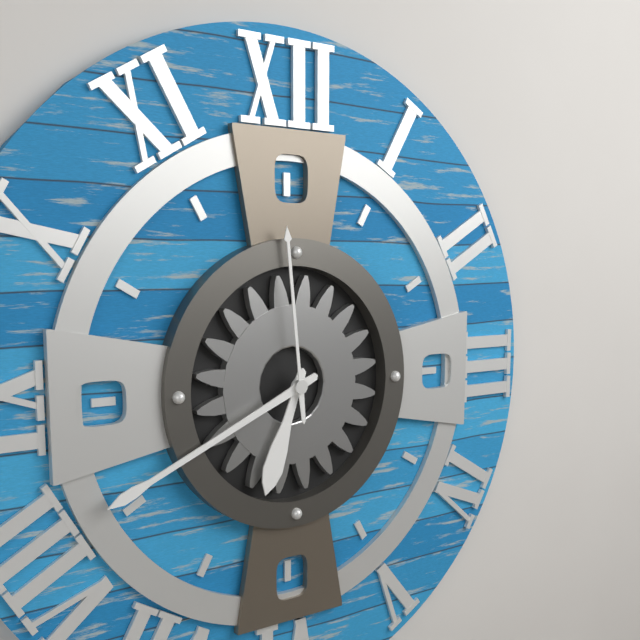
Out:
6 h 41 min 59 s
